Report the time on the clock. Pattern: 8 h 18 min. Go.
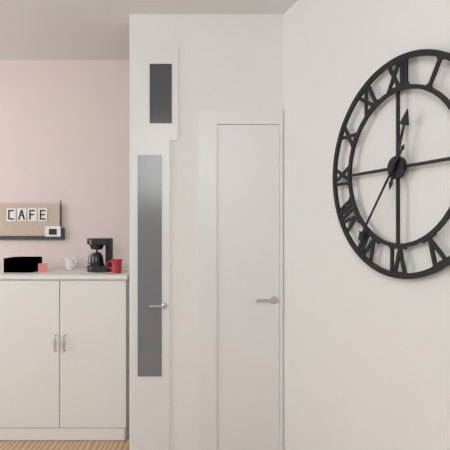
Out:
12 h 36 min
